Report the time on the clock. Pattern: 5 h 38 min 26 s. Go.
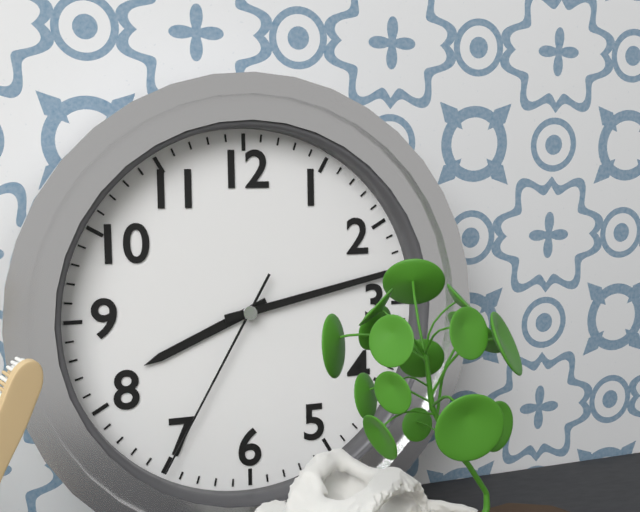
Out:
8 h 13 min 35 s
